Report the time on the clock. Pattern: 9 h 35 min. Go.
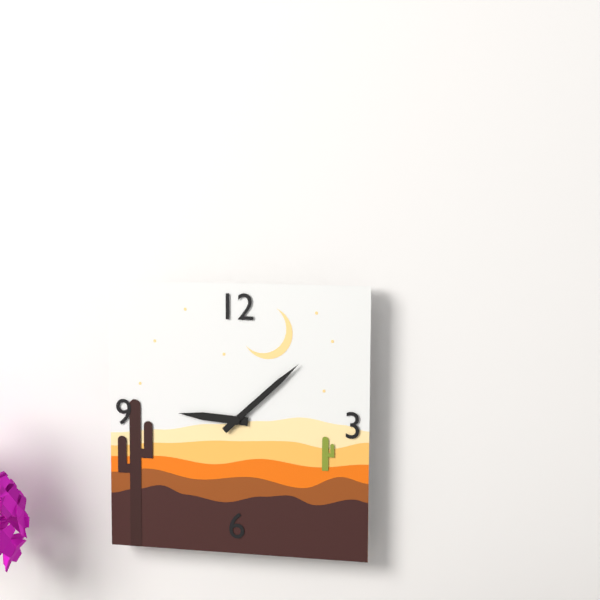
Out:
9 h 08 min
